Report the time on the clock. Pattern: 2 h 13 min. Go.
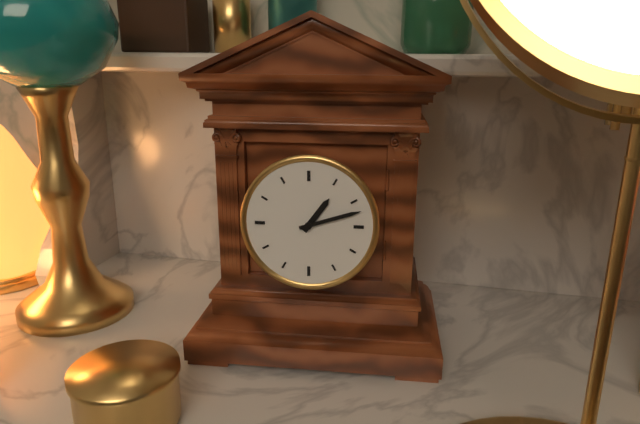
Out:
1 h 12 min
